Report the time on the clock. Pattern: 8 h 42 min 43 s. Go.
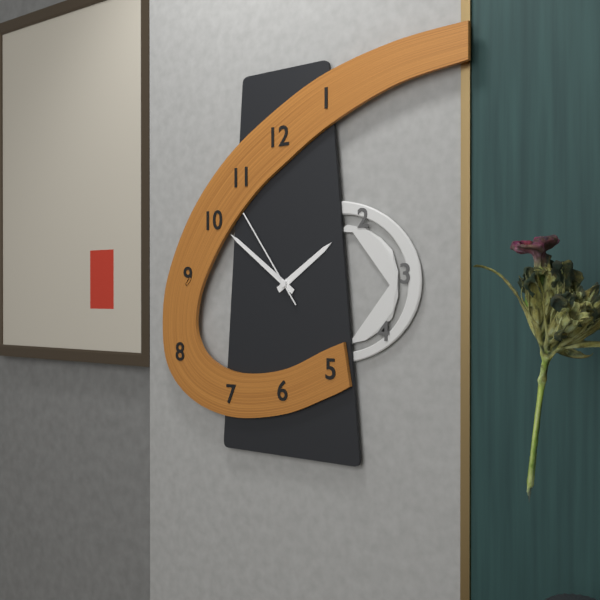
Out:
1 h 51 min 54 s
